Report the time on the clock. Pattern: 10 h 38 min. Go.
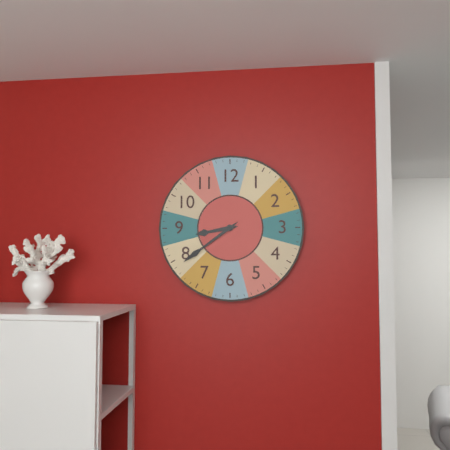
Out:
8 h 39 min
